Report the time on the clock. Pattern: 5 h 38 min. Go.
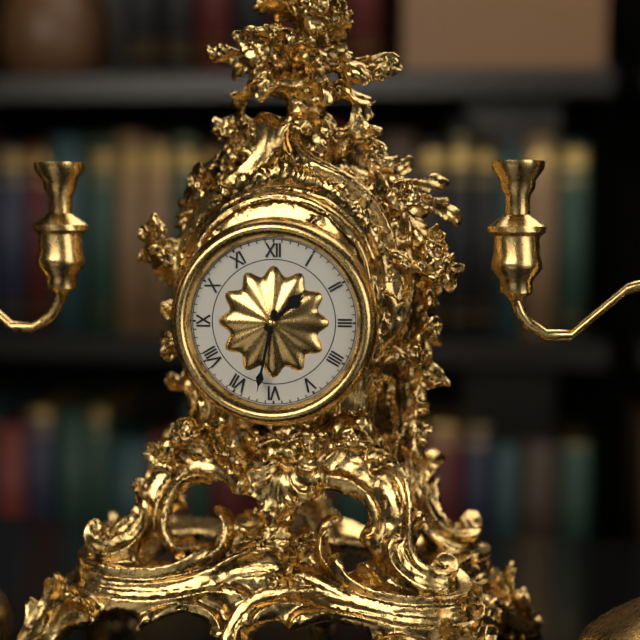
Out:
1 h 32 min
